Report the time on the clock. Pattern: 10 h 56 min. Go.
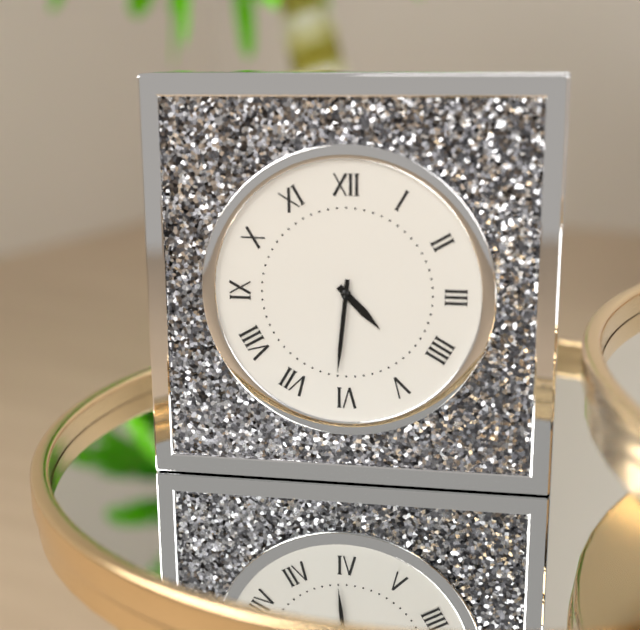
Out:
4 h 31 min
